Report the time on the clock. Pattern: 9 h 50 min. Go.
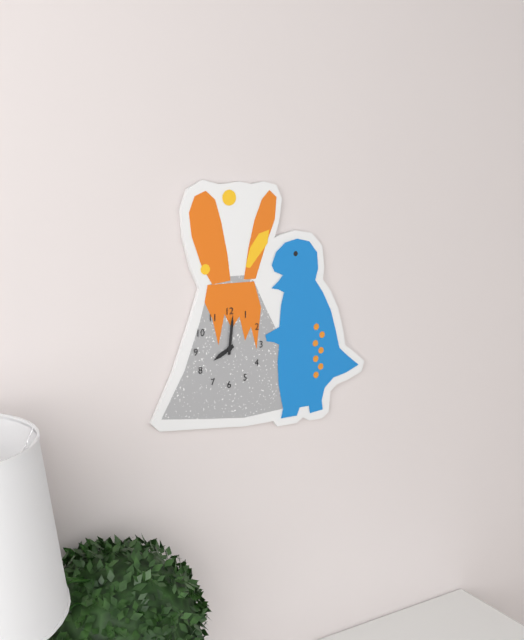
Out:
8 h 01 min
